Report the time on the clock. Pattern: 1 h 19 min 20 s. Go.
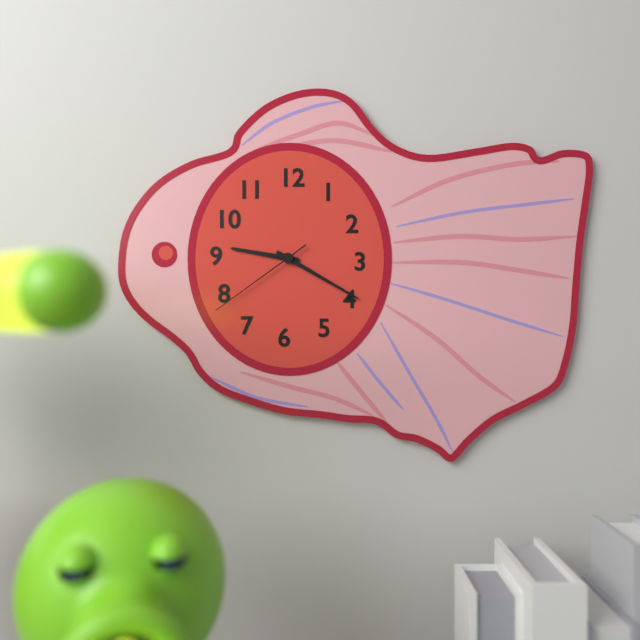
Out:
9 h 20 min 39 s
